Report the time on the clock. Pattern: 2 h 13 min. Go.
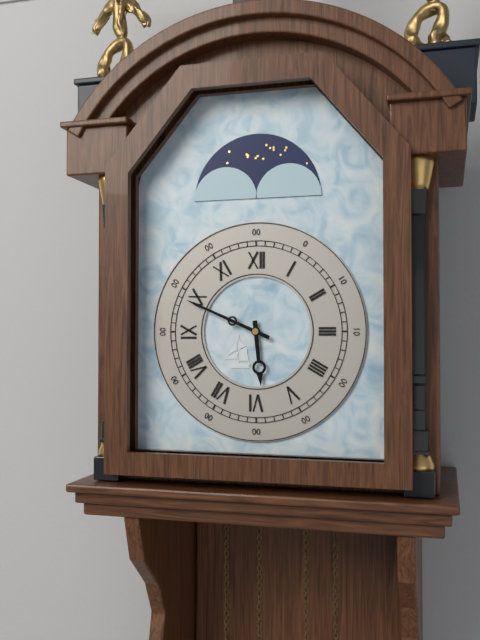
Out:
5 h 49 min
